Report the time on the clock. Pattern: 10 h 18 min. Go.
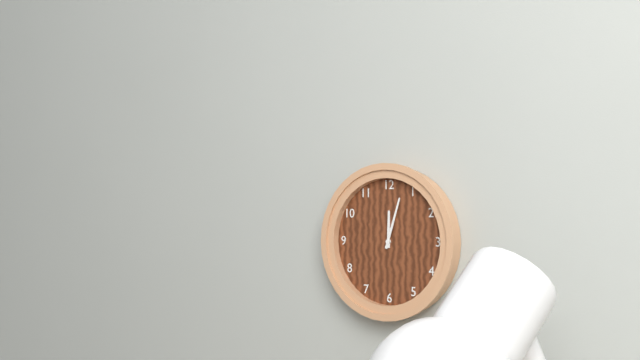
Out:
12 h 03 min
